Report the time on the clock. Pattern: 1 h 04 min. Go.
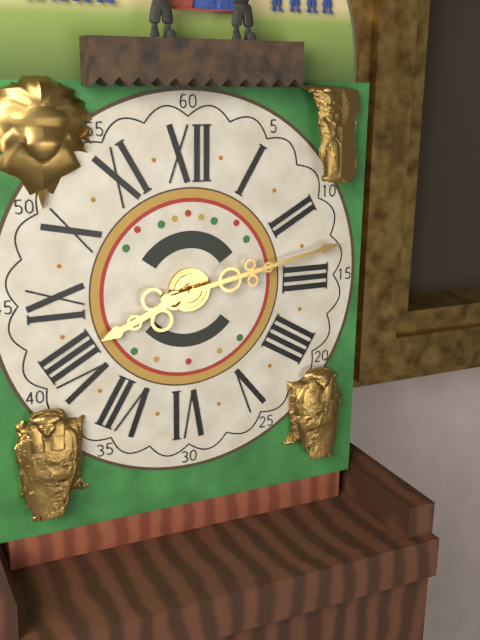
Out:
8 h 13 min
